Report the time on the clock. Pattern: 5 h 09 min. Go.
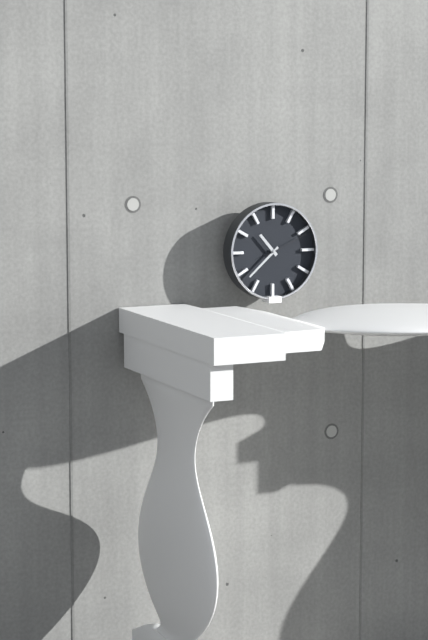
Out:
10 h 38 min
